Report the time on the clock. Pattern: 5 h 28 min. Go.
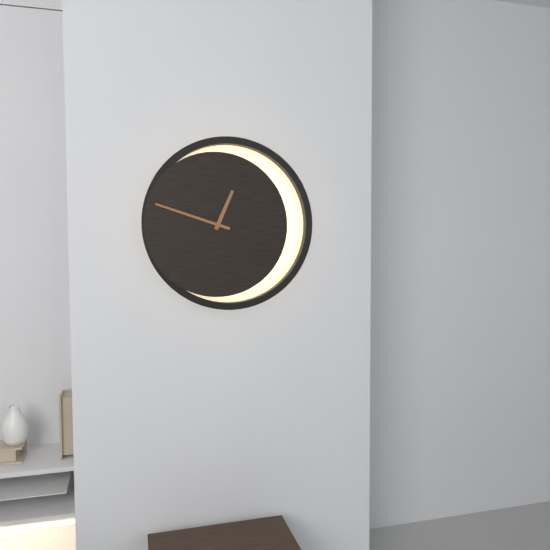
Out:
12 h 48 min
